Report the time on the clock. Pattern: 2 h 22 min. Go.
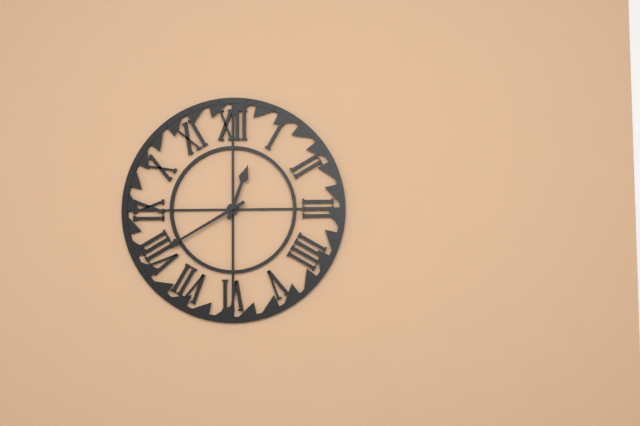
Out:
12 h 40 min
